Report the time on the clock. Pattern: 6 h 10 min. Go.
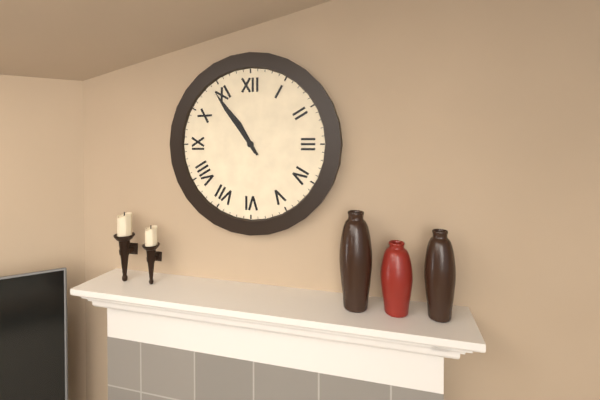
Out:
10 h 54 min
